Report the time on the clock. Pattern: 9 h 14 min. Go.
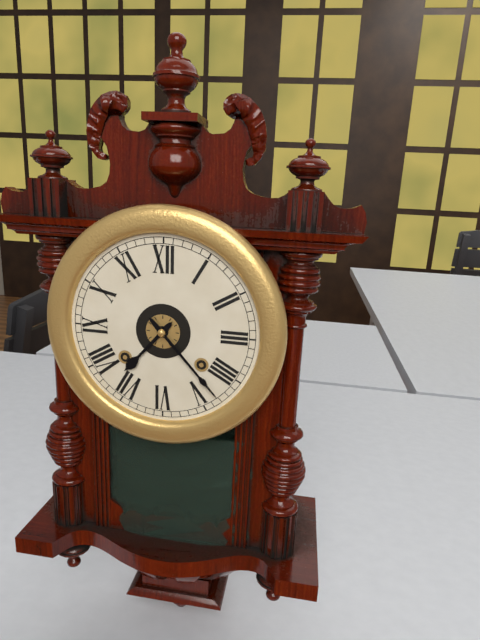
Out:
7 h 23 min
